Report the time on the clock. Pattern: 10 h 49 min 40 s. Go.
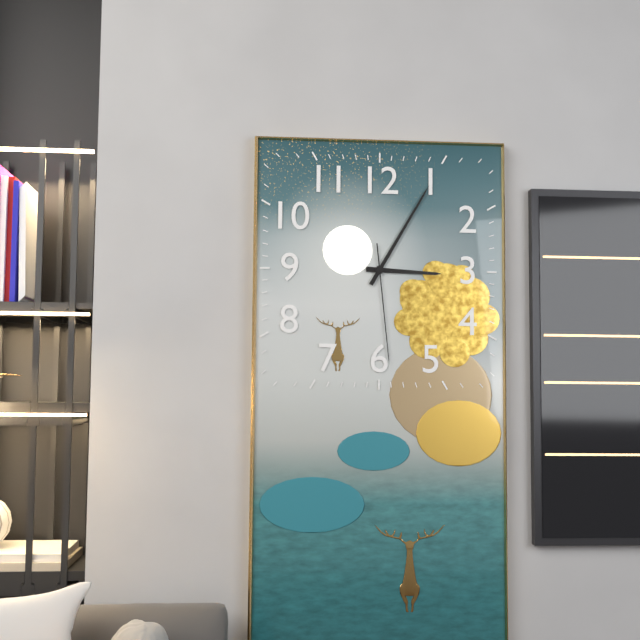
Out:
3 h 05 min 29 s
